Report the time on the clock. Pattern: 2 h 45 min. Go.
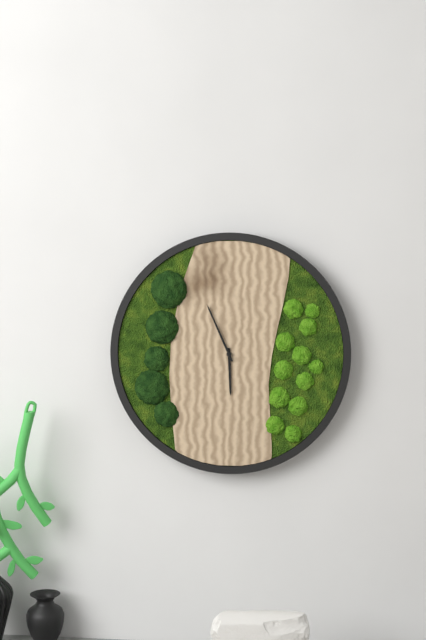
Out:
5 h 56 min
